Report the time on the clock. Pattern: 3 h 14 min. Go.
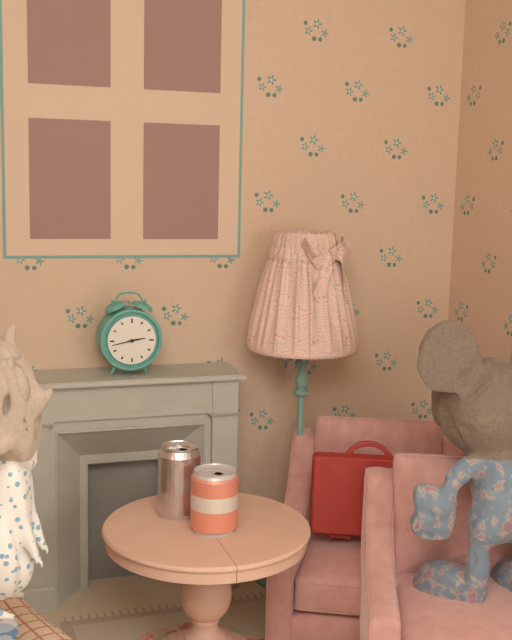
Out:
2 h 43 min
